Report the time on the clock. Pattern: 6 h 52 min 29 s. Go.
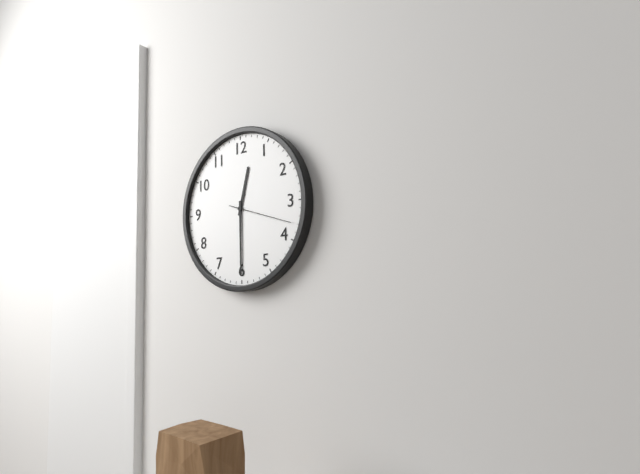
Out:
12 h 30 min 18 s
